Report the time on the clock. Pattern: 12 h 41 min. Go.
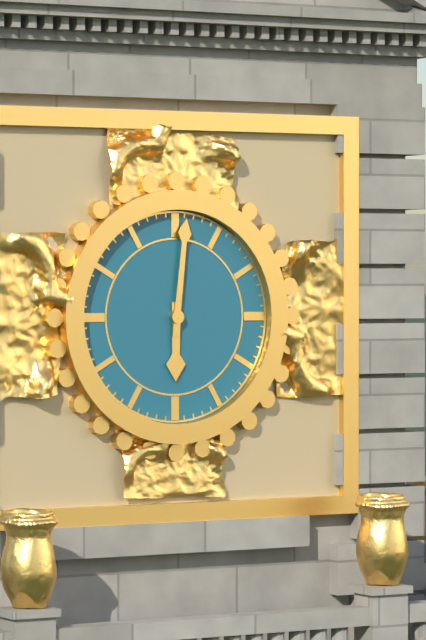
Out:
6 h 01 min
